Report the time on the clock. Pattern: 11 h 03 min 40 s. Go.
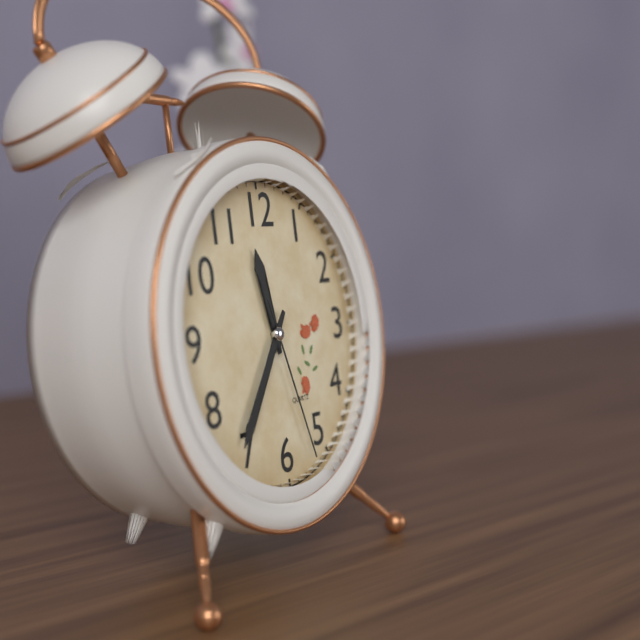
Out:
11 h 36 min 27 s
